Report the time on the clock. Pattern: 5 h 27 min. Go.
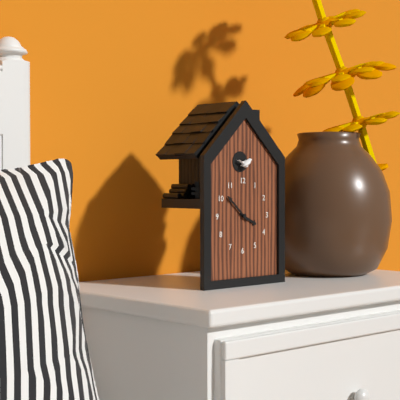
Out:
3 h 52 min
